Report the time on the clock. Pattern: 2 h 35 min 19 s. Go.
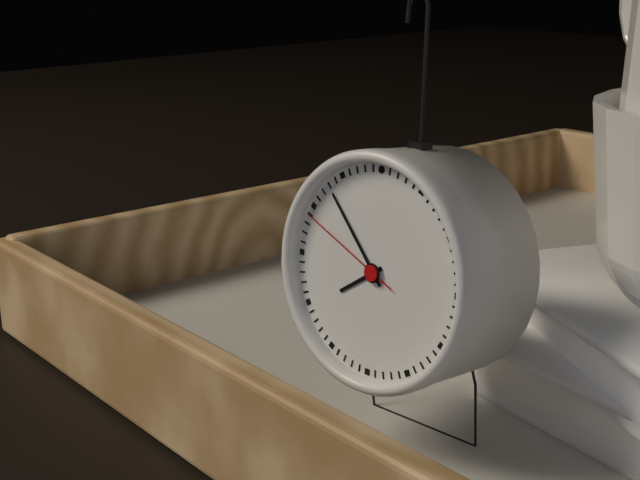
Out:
7 h 53 min 49 s
